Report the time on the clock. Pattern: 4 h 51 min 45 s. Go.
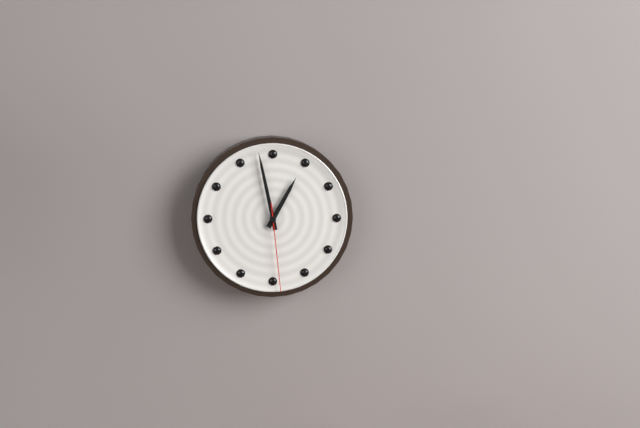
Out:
12 h 58 min 29 s
